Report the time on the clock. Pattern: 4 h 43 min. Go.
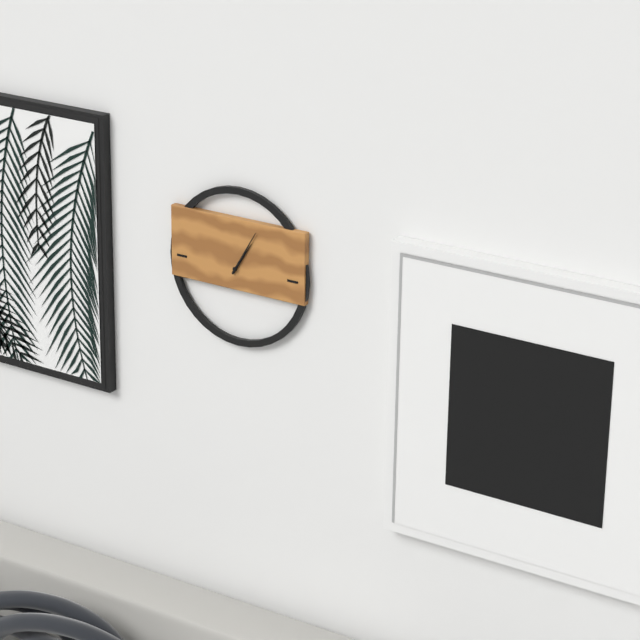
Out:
1 h 05 min
